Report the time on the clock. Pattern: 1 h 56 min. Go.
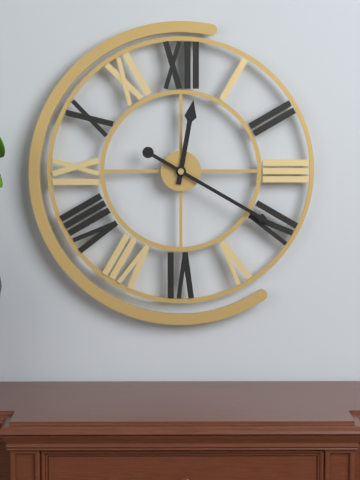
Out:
12 h 20 min
